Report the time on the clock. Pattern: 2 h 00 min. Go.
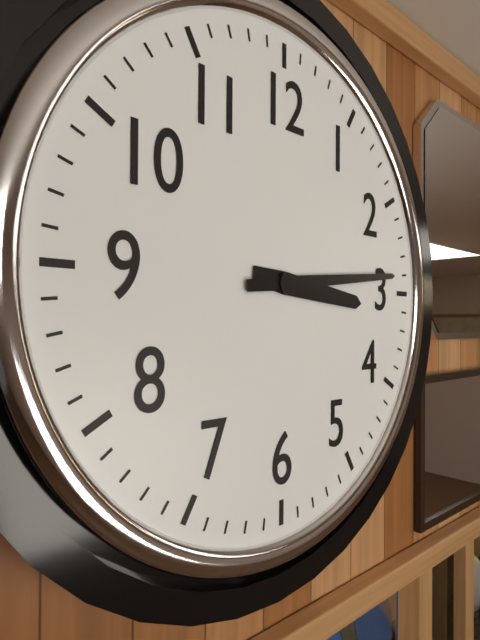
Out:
3 h 14 min
